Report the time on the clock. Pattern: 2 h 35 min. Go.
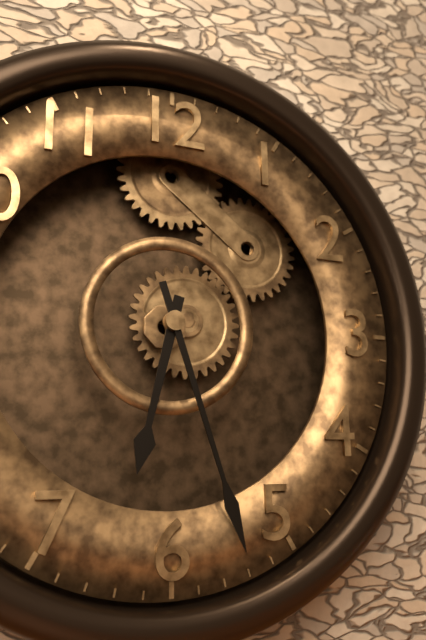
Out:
6 h 27 min
